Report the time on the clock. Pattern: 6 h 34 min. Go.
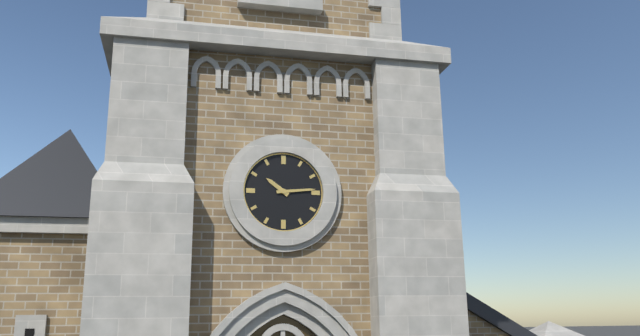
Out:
10 h 14 min
